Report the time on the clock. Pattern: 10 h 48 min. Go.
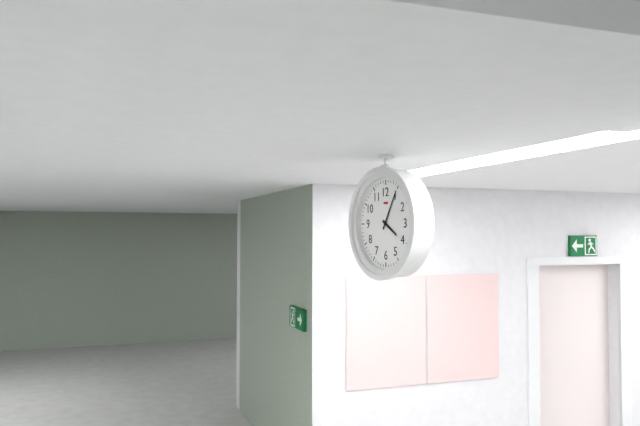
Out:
4 h 05 min
